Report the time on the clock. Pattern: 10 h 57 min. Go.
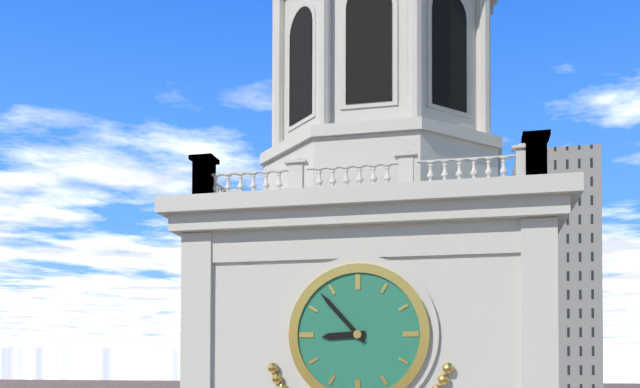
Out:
8 h 53 min
